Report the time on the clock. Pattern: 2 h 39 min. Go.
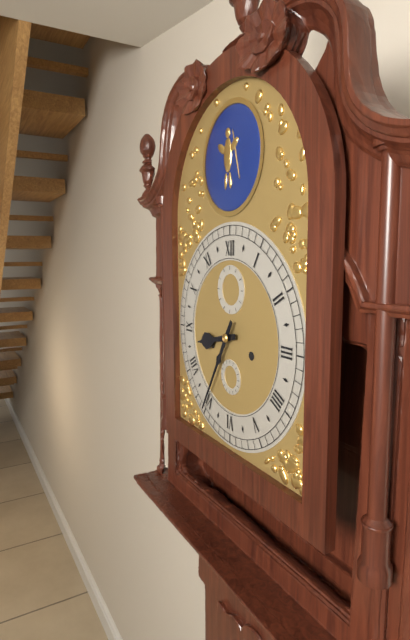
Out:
8 h 35 min
